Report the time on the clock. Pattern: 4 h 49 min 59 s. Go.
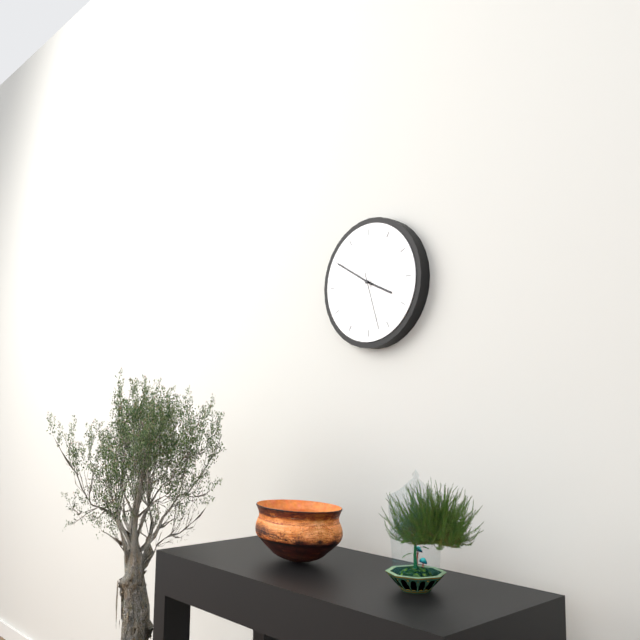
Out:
3 h 50 min 27 s
